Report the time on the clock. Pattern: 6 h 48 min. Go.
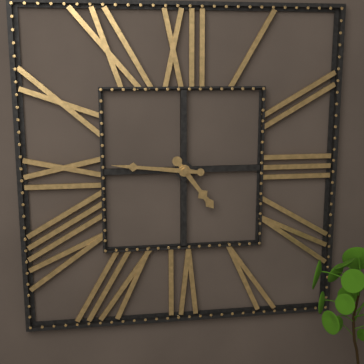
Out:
4 h 46 min
